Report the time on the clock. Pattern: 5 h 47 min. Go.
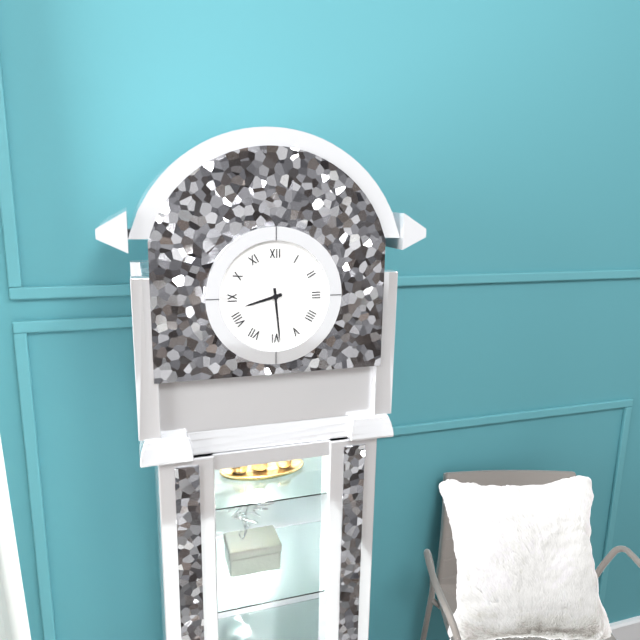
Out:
8 h 29 min
